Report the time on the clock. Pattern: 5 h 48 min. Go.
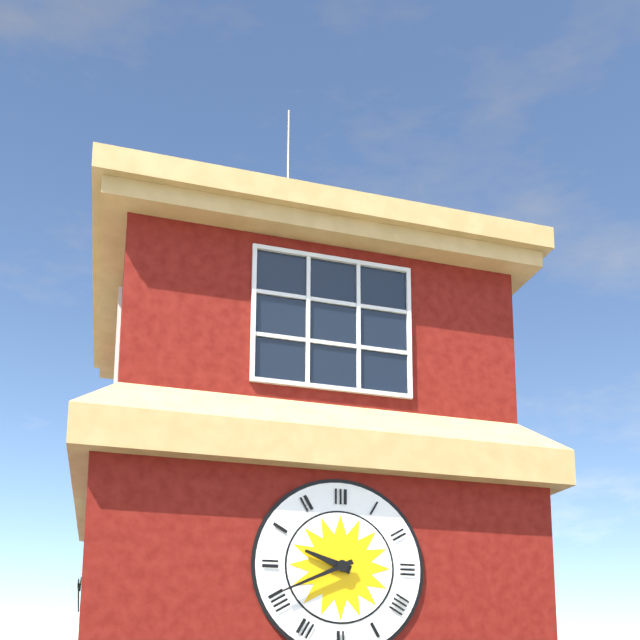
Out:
9 h 41 min
